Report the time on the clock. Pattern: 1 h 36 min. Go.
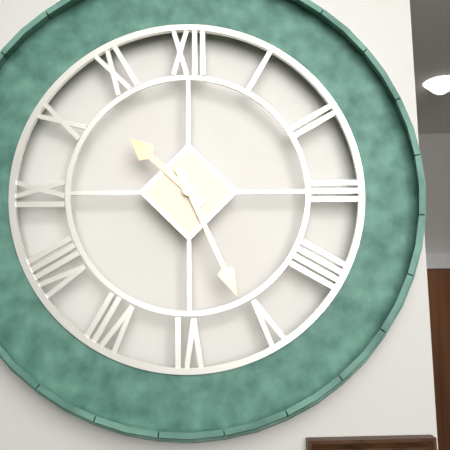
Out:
10 h 26 min
